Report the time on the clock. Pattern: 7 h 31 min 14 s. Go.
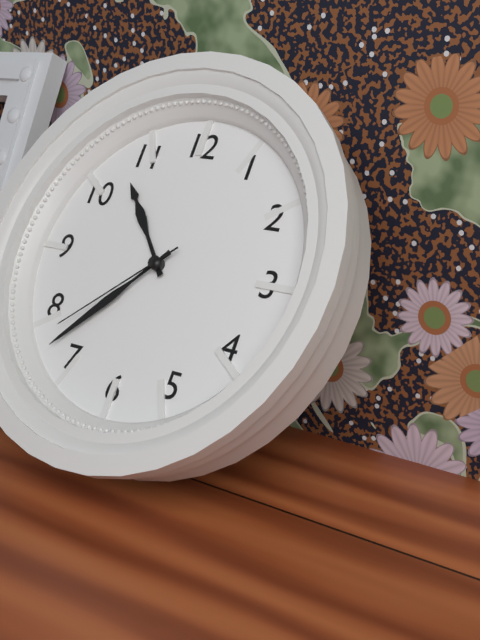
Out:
10 h 37 min 38 s
